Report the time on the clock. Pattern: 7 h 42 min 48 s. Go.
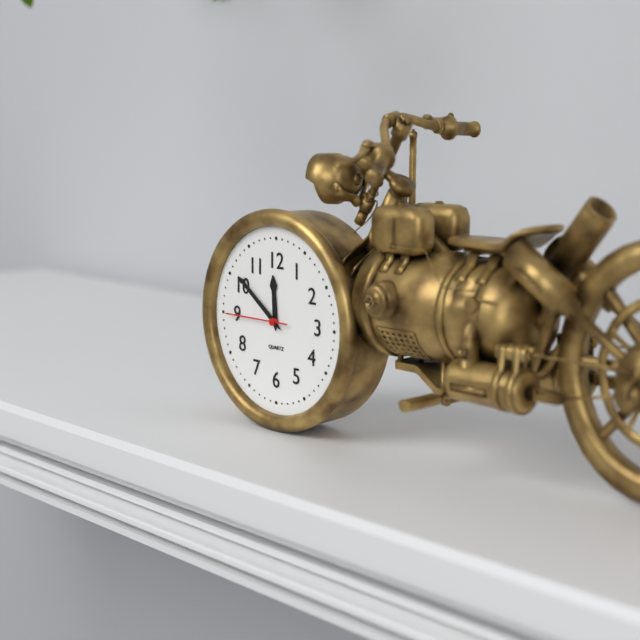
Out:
11 h 51 min 45 s
